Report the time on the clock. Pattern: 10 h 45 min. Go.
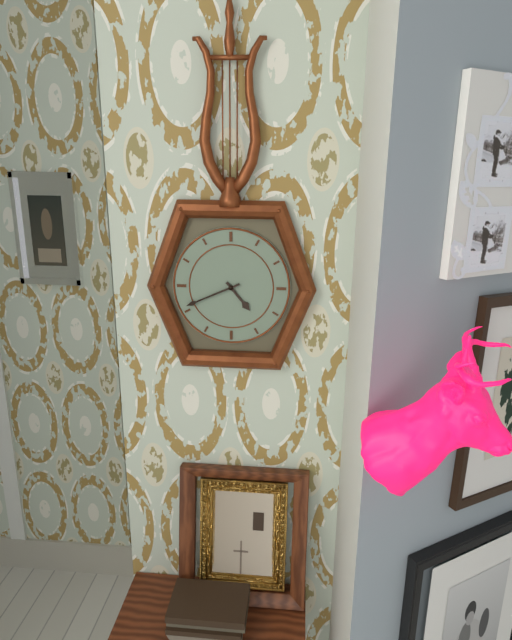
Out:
4 h 41 min
